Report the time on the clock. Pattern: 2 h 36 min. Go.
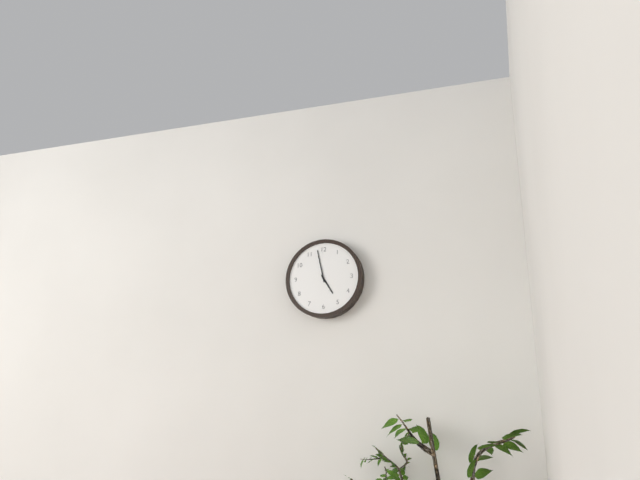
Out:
4 h 58 min
